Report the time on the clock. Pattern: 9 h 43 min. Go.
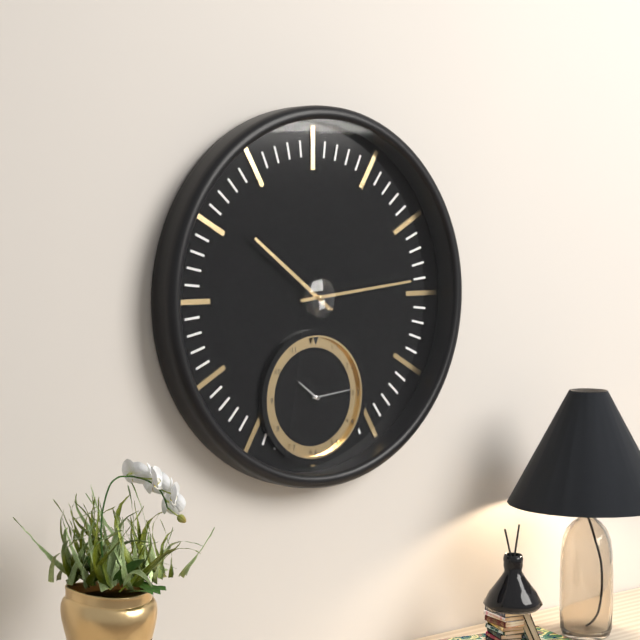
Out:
10 h 14 min
